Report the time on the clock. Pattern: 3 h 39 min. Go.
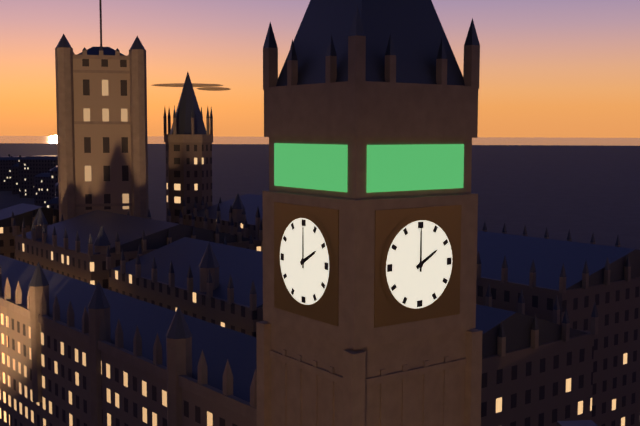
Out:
2 h 00 min
